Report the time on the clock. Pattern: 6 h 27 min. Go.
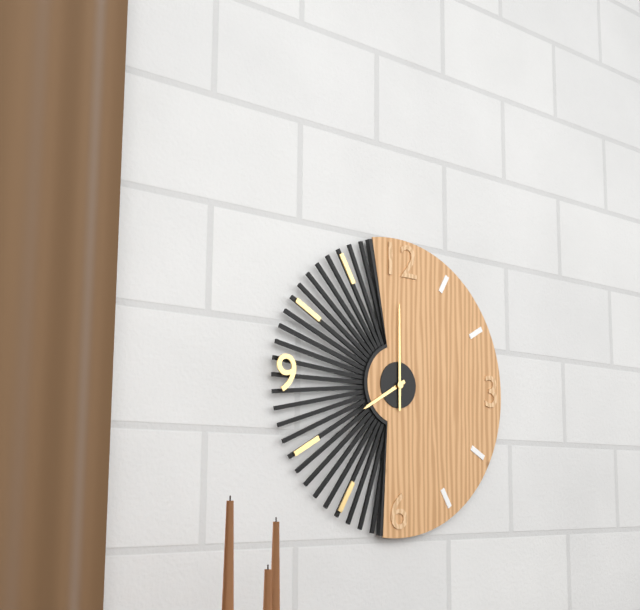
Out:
8 h 00 min
